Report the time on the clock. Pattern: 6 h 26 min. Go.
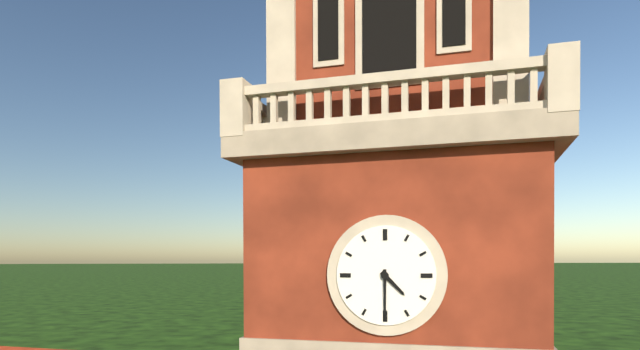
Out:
4 h 30 min
